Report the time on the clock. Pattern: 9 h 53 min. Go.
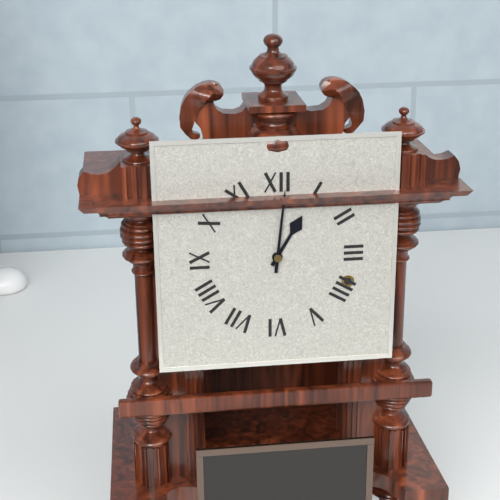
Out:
1 h 01 min
